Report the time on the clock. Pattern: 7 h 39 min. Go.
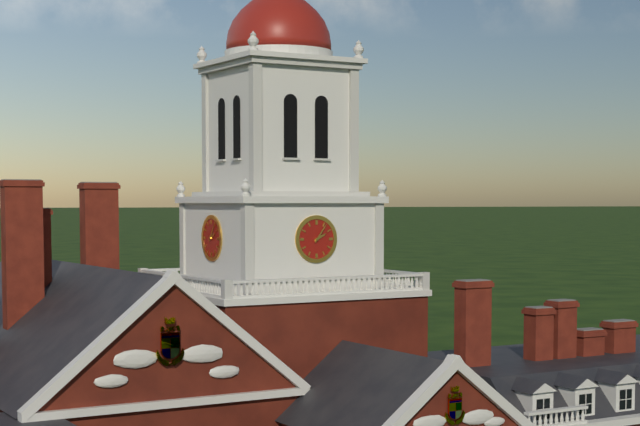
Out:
2 h 06 min
